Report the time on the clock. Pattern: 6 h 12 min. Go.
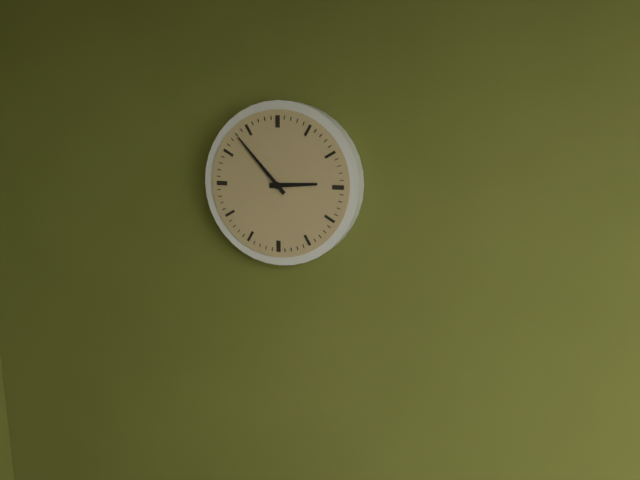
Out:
2 h 53 min
